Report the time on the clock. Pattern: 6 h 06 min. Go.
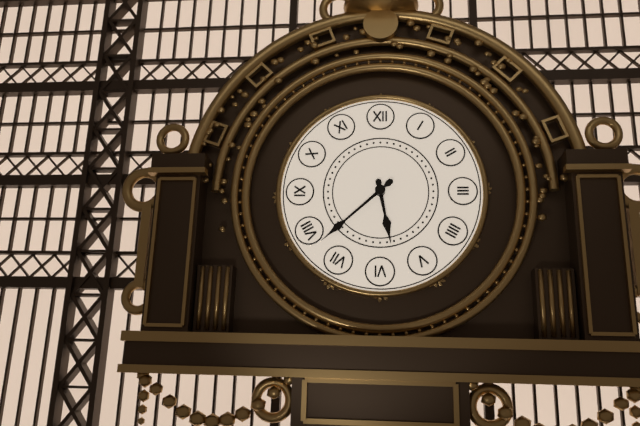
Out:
5 h 38 min
